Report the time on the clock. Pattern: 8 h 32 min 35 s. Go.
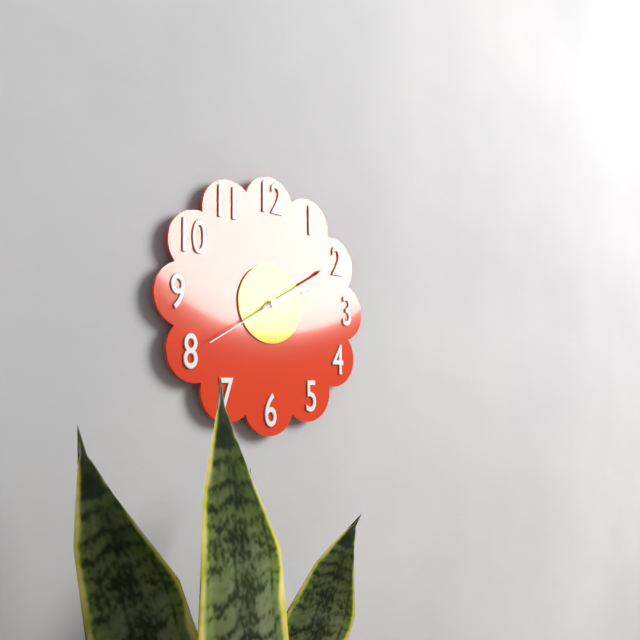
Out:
2 h 10 min 40 s
